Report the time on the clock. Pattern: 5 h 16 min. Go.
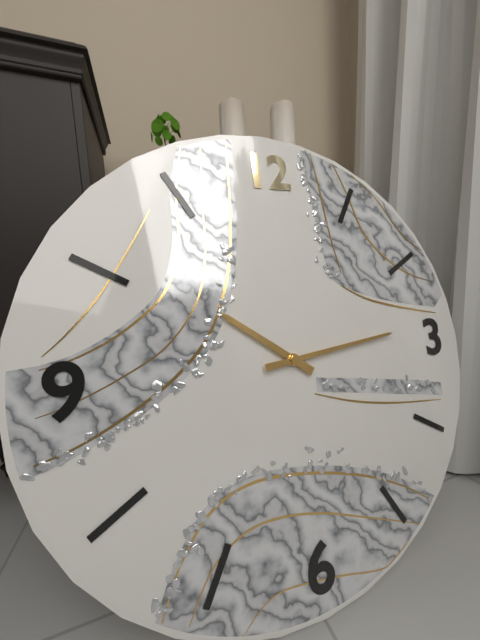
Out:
10 h 14 min
